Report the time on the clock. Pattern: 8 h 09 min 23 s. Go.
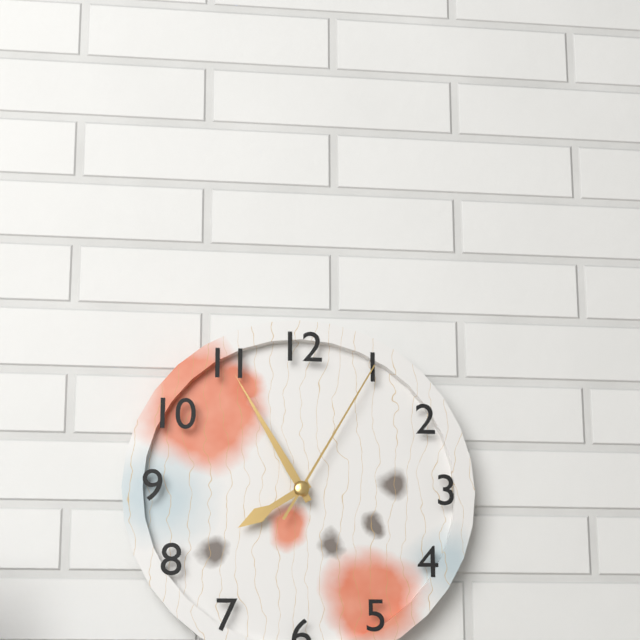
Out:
7 h 55 min 05 s
